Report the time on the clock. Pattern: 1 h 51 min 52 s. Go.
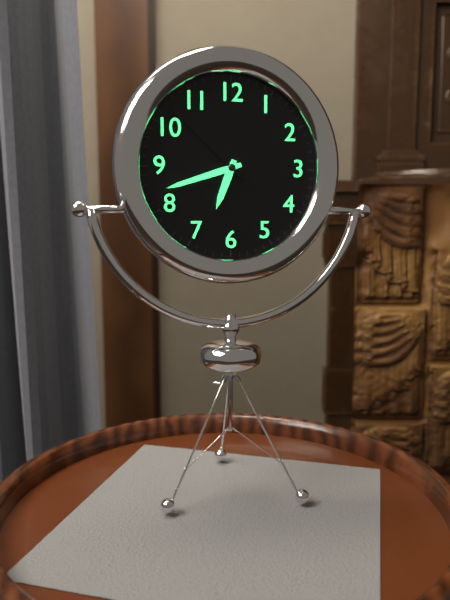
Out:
6 h 42 min 52 s
